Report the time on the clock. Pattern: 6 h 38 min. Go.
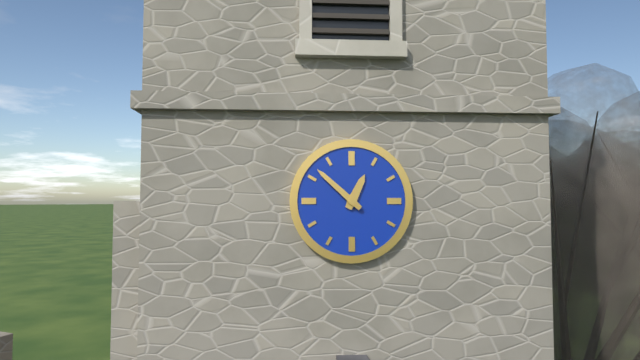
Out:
12 h 52 min
